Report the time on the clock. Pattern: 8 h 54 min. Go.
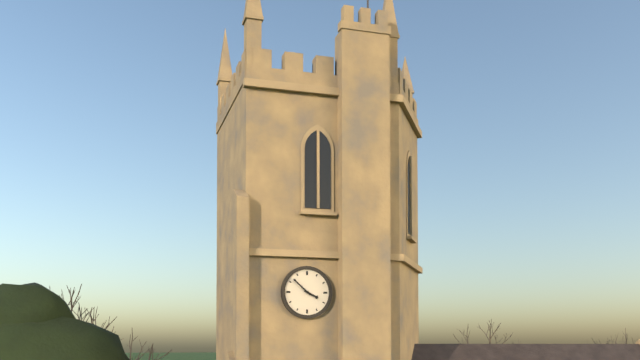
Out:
3 h 52 min
